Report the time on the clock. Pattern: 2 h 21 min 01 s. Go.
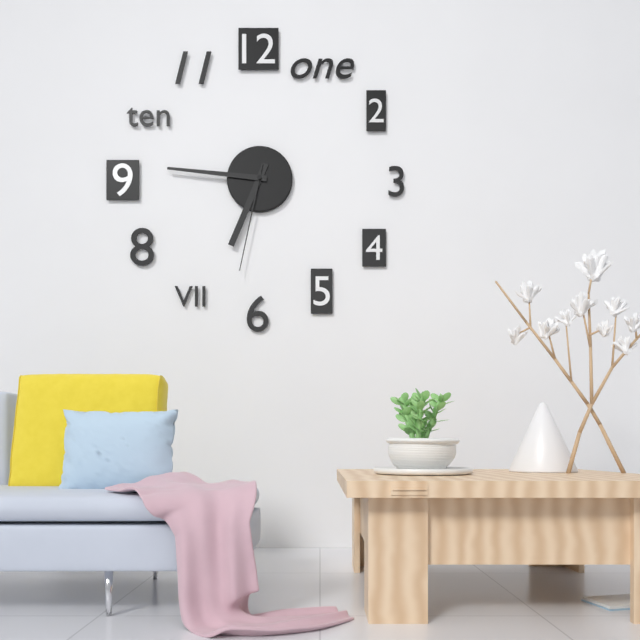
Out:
6 h 46 min 32 s
